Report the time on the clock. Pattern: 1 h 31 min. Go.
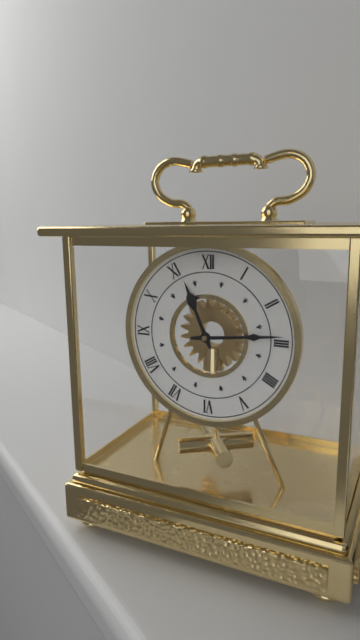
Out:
11 h 14 min
